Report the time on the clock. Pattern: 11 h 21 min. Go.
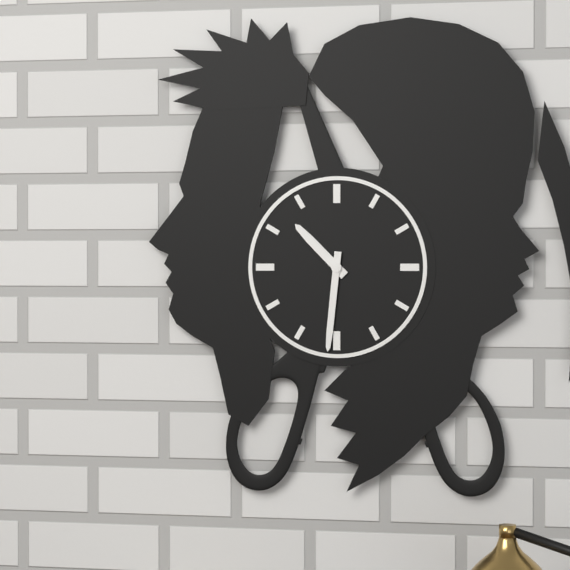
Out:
10 h 31 min
